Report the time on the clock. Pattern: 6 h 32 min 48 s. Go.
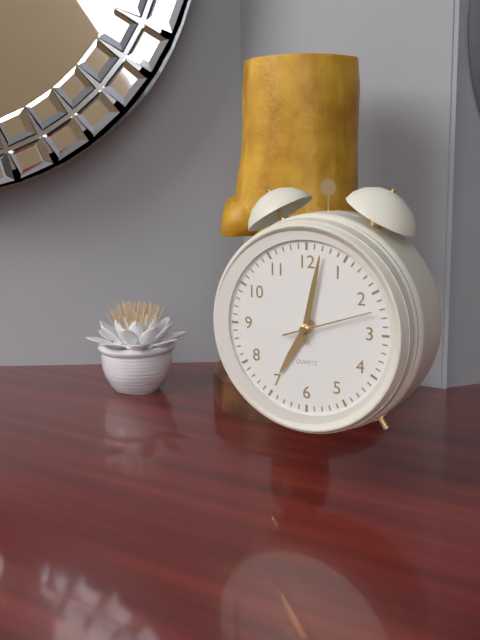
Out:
7 h 02 min 12 s
